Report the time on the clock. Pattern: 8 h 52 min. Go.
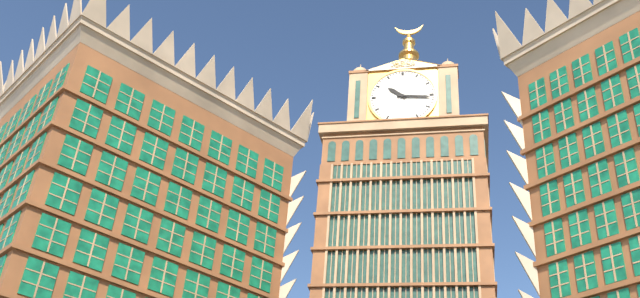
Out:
10 h 16 min
